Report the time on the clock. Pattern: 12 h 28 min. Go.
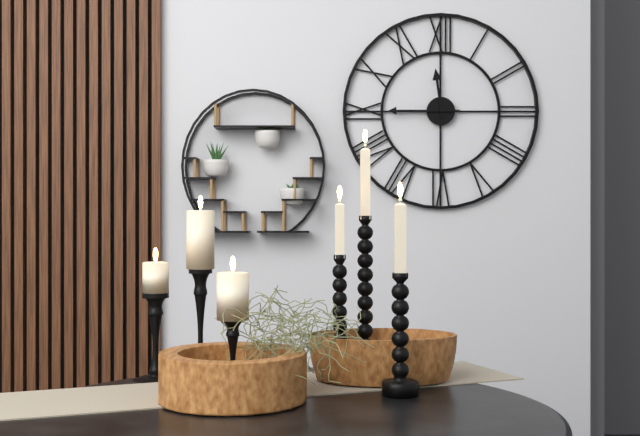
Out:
11 h 45 min
